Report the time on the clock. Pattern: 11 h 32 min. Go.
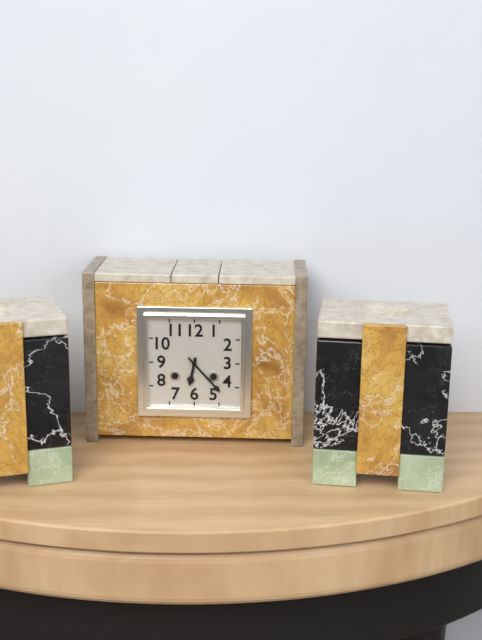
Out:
6 h 23 min
